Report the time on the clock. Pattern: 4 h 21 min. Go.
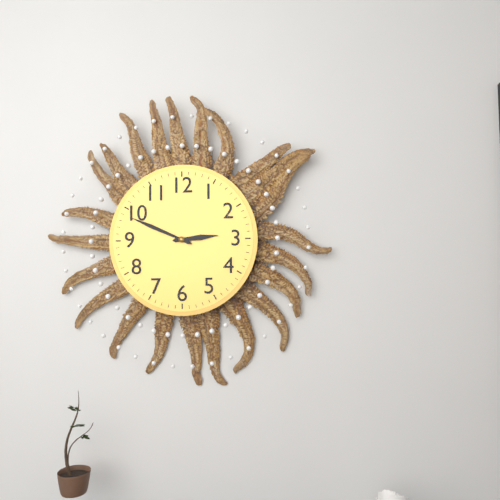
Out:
2 h 49 min
